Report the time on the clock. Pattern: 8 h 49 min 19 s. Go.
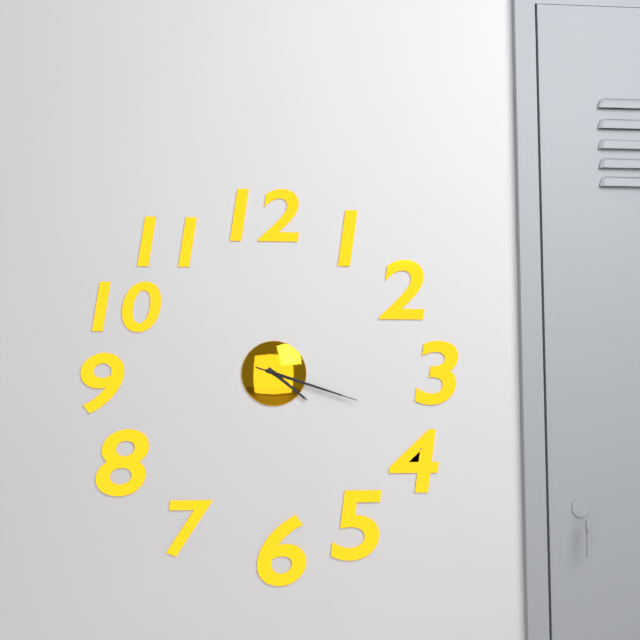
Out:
4 h 18 min 18 s
